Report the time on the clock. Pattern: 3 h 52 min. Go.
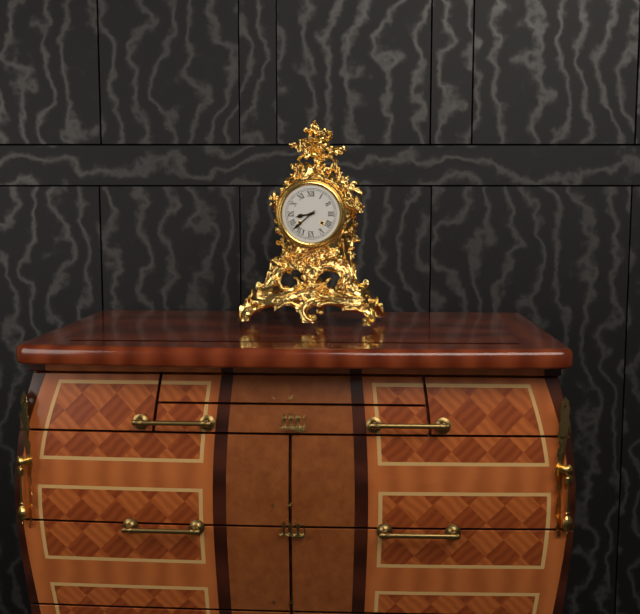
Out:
8 h 38 min
